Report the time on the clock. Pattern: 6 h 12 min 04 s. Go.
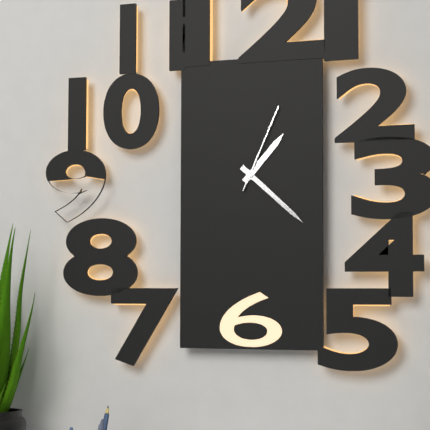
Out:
1 h 22 min 04 s
